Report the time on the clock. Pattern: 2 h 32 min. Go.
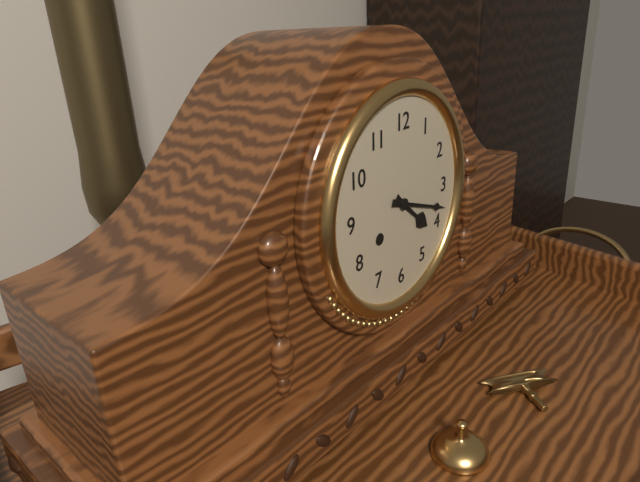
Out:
4 h 18 min
